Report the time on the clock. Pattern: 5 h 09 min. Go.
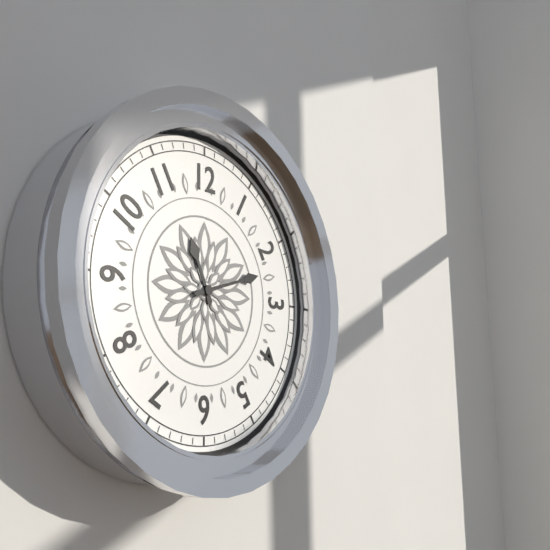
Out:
11 h 12 min
